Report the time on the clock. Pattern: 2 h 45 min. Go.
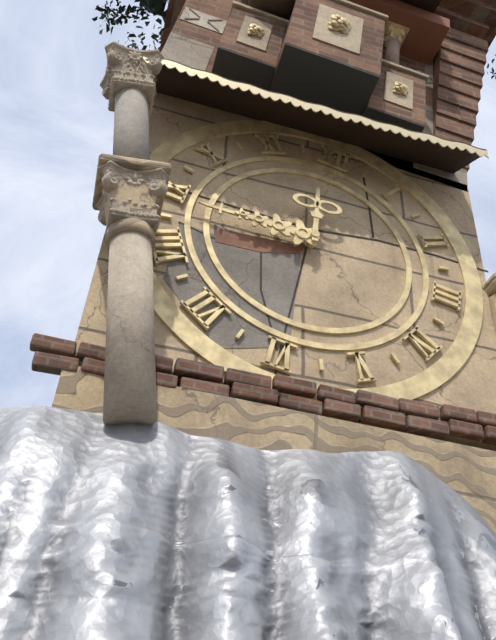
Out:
11 h 44 min
